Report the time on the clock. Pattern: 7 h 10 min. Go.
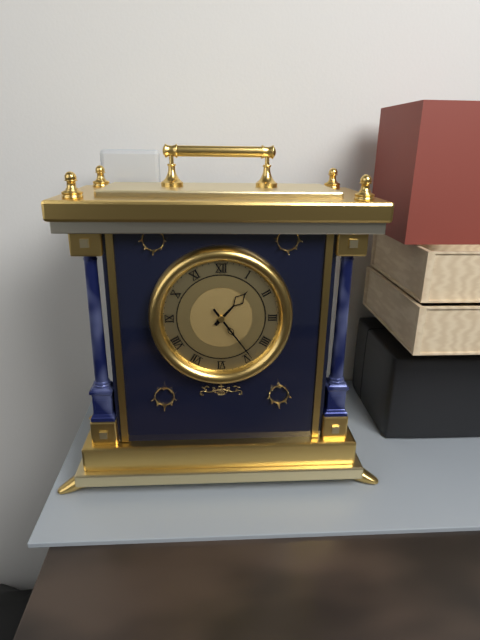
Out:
1 h 24 min
